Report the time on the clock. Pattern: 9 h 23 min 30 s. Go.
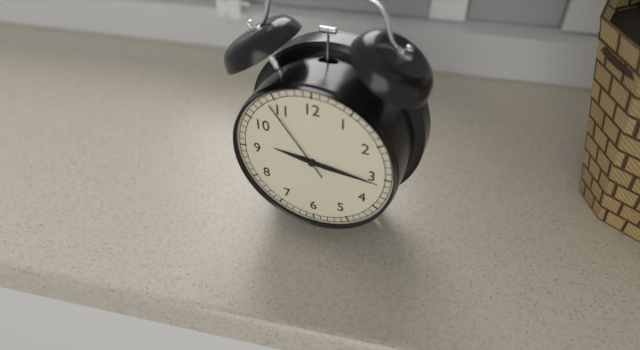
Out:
9 h 16 min 54 s
